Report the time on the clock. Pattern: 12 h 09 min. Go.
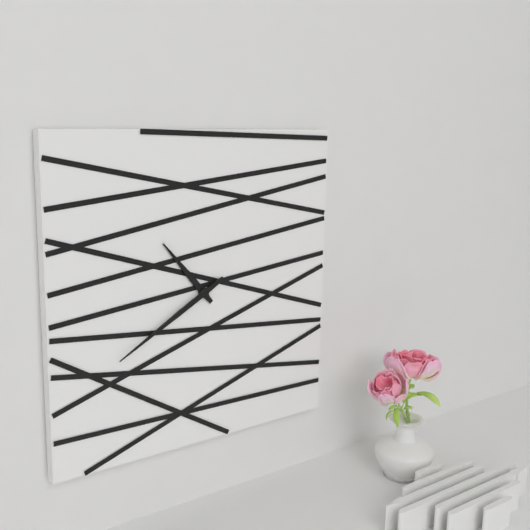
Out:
10 h 40 min
